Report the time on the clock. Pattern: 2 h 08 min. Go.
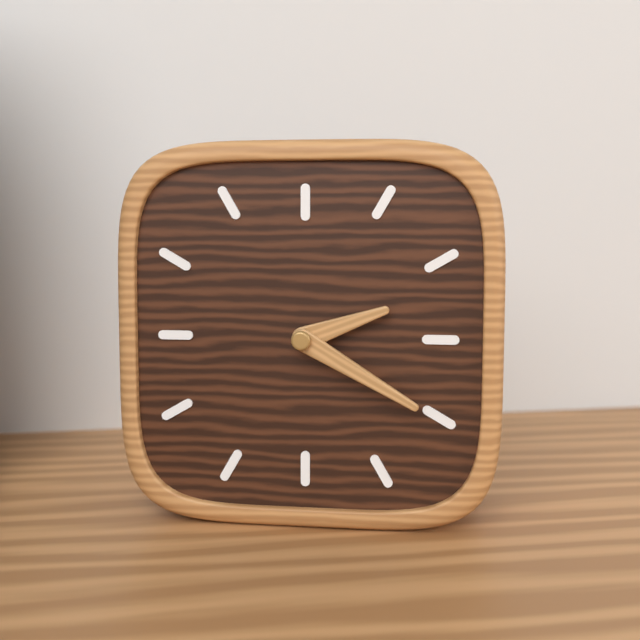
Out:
2 h 20 min
